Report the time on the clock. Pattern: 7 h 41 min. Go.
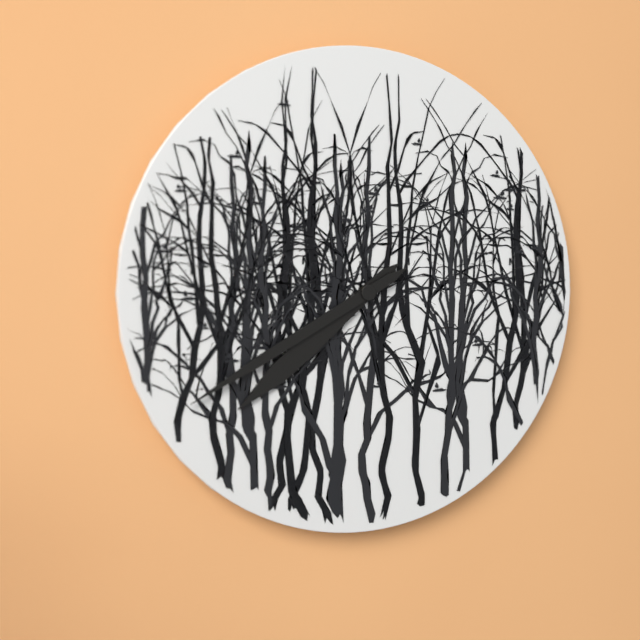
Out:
7 h 40 min
